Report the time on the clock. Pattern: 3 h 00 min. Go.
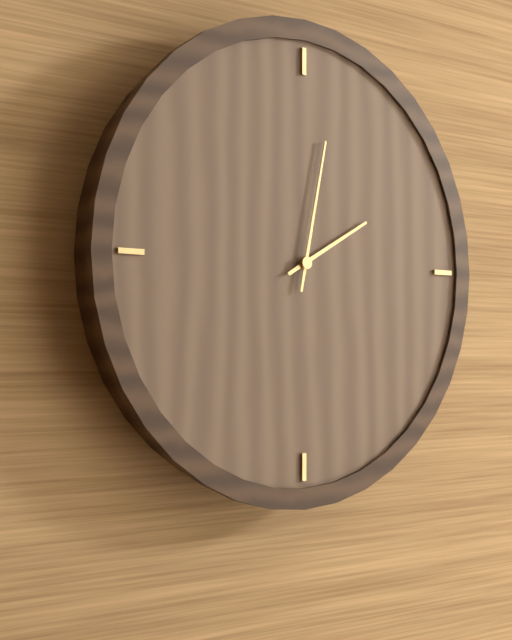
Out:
2 h 02 min
